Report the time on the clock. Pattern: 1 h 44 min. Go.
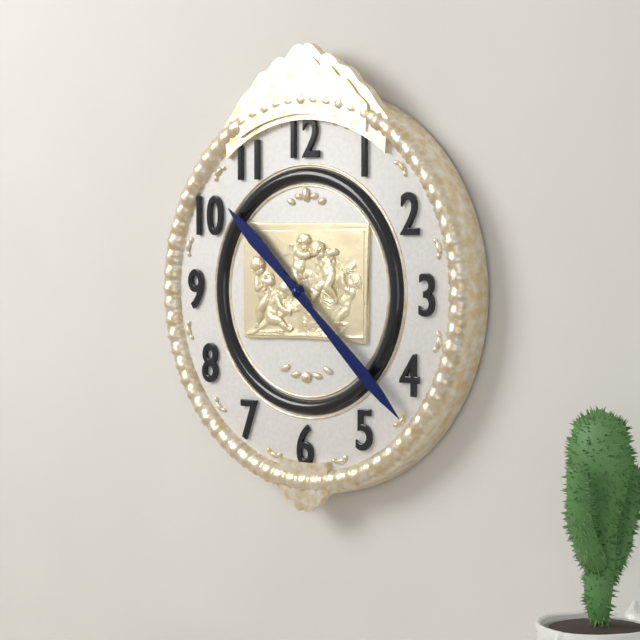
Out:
10 h 22 min
